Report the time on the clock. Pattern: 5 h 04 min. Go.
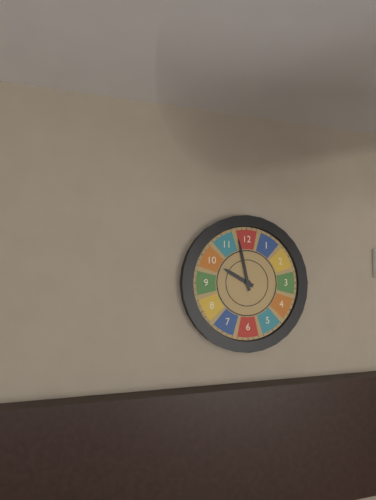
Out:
9 h 58 min
